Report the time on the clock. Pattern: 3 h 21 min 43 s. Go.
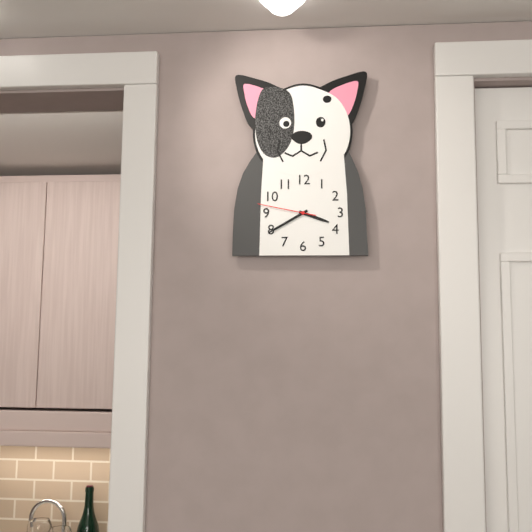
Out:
3 h 40 min 47 s
